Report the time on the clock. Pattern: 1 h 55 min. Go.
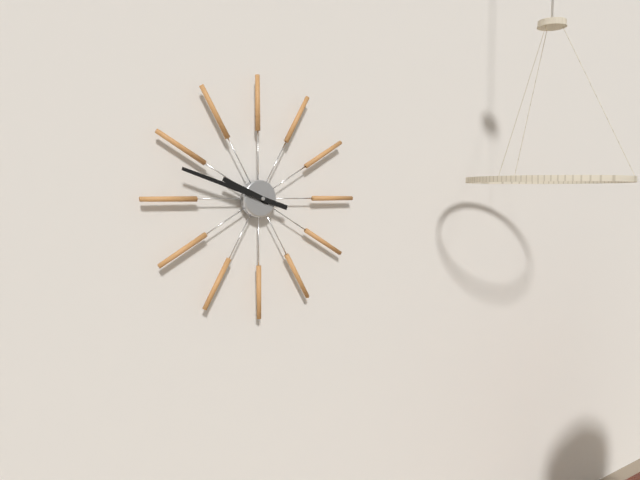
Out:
9 h 48 min
